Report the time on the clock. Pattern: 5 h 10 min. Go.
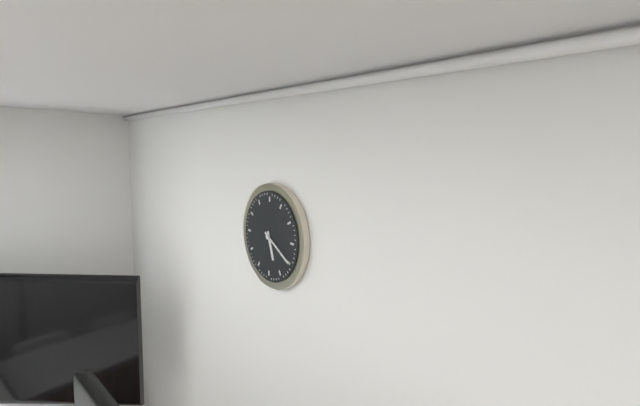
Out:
5 h 20 min
